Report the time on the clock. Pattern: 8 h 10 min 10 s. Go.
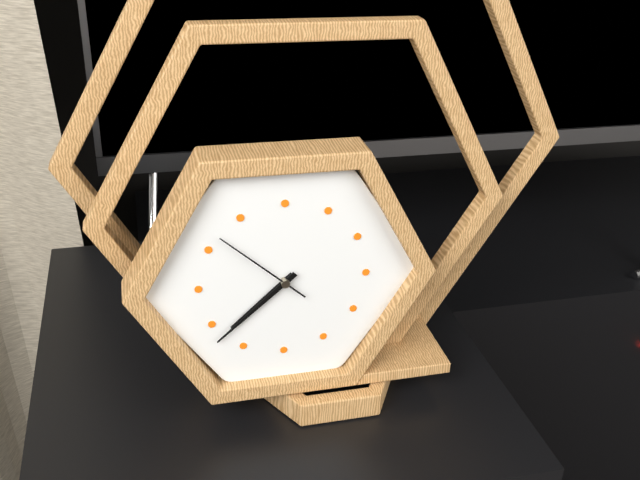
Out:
7 h 38 min 52 s
